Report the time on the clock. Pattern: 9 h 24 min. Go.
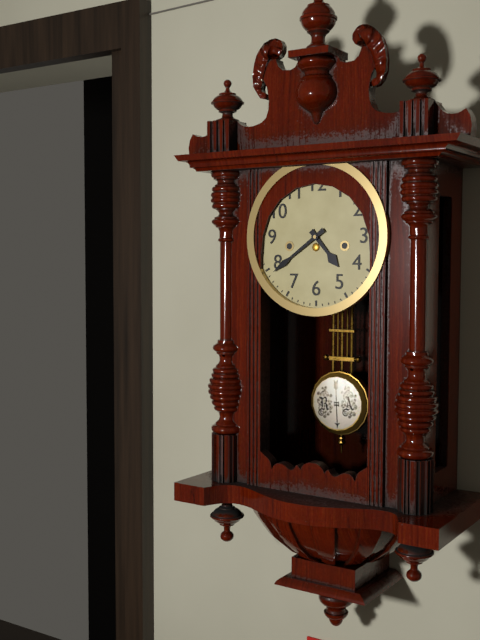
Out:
4 h 39 min
